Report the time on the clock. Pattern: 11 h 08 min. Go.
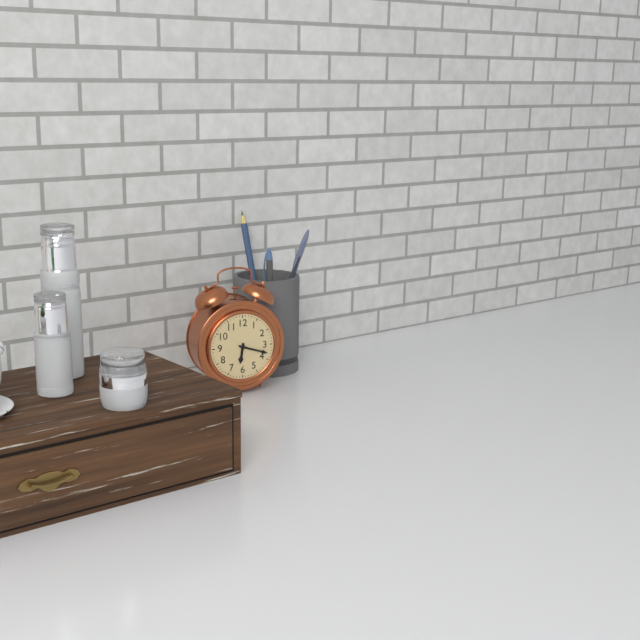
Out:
6 h 18 min
